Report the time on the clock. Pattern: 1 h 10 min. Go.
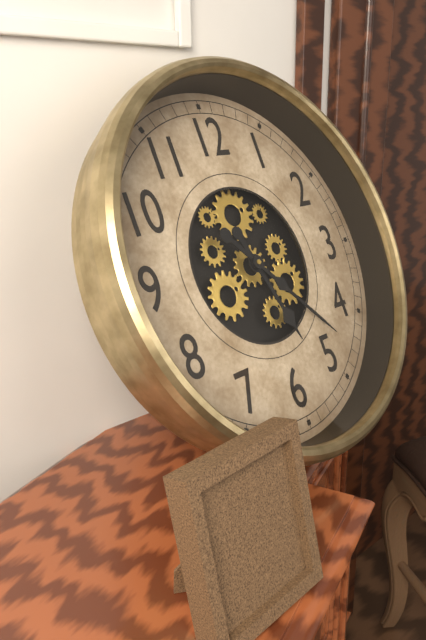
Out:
5 h 23 min
